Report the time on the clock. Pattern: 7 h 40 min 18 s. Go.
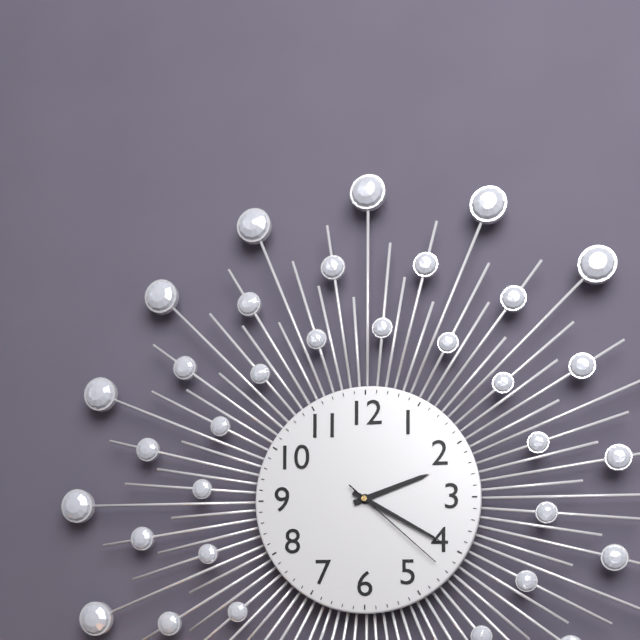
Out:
2 h 20 min 22 s
